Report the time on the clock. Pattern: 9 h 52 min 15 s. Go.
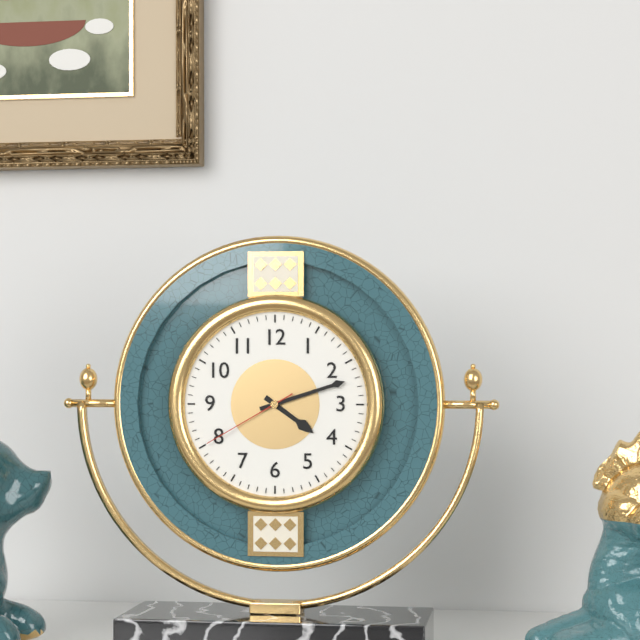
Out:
4 h 12 min 40 s
